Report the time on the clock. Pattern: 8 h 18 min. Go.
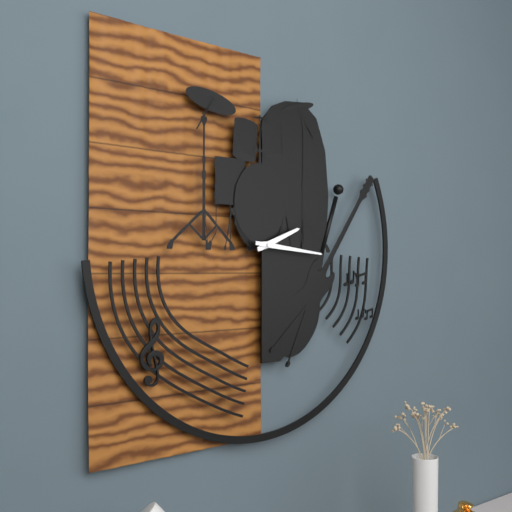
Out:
2 h 16 min
